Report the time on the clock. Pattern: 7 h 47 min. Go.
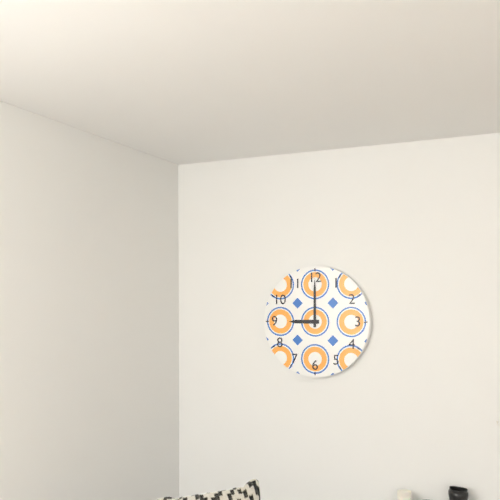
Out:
9 h 00 min
